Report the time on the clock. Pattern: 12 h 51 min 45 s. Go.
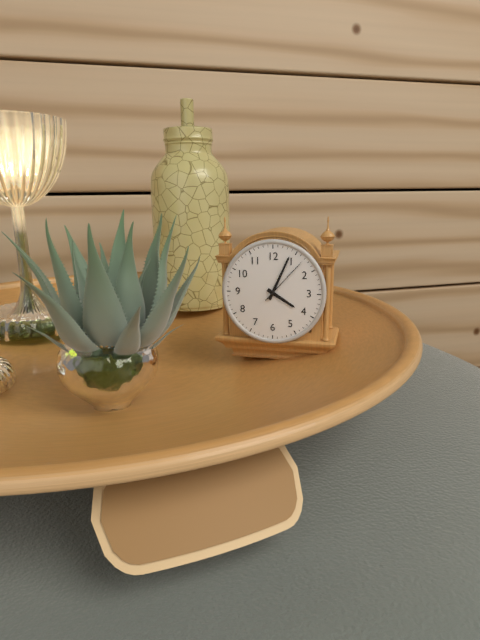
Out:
4 h 04 min 07 s
